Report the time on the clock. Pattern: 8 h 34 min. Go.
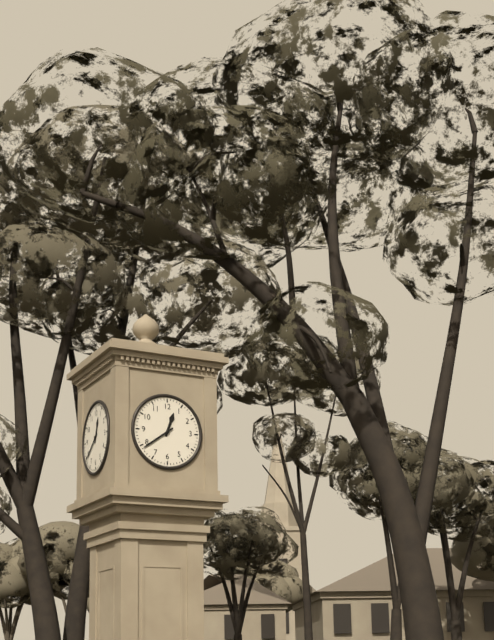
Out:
12 h 39 min
